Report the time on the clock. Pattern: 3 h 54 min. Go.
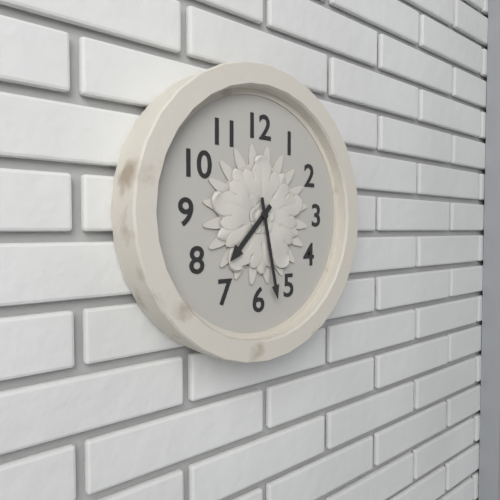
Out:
7 h 28 min
